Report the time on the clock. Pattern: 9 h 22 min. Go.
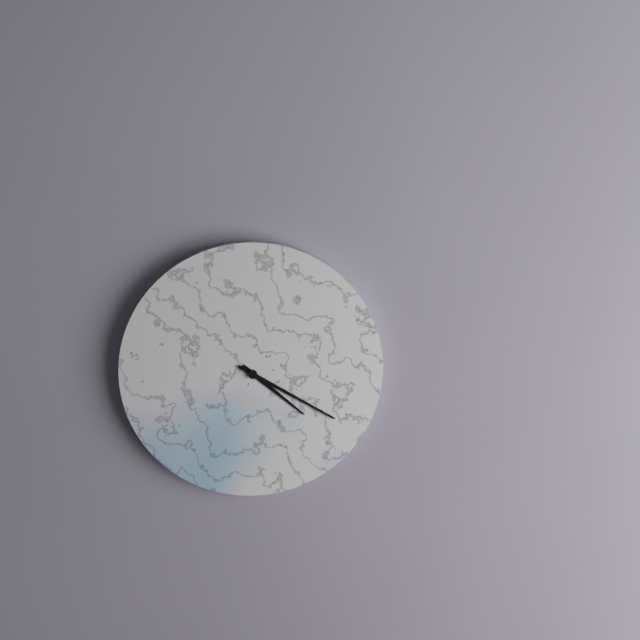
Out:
4 h 20 min
